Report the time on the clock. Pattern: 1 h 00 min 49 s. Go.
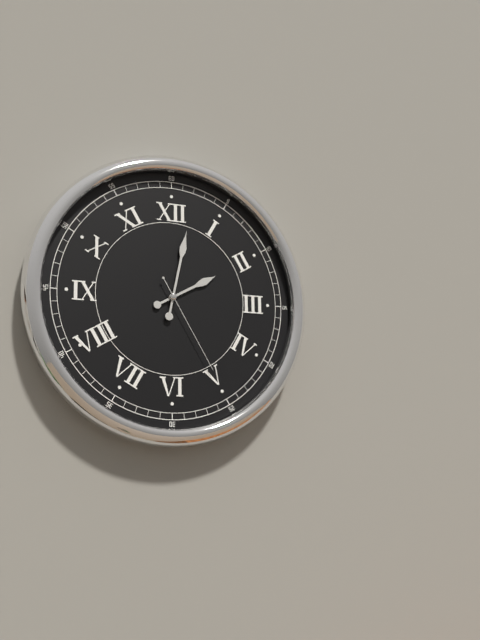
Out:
2 h 02 min 25 s
